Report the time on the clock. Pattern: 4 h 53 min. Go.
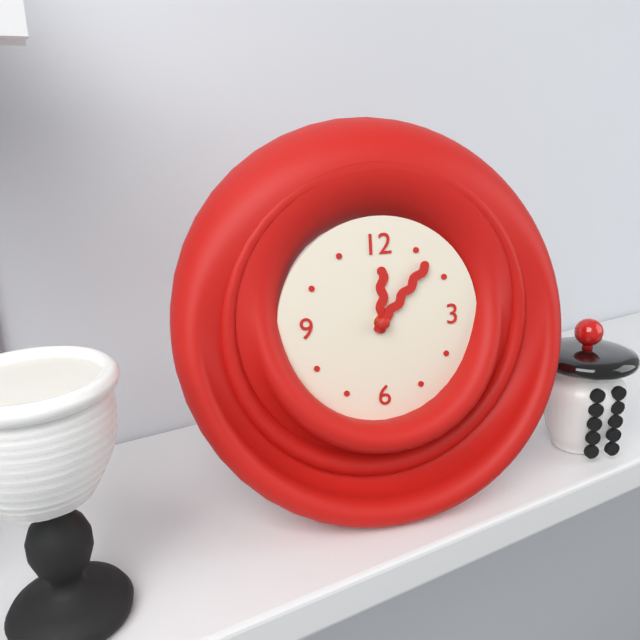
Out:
12 h 07 min
